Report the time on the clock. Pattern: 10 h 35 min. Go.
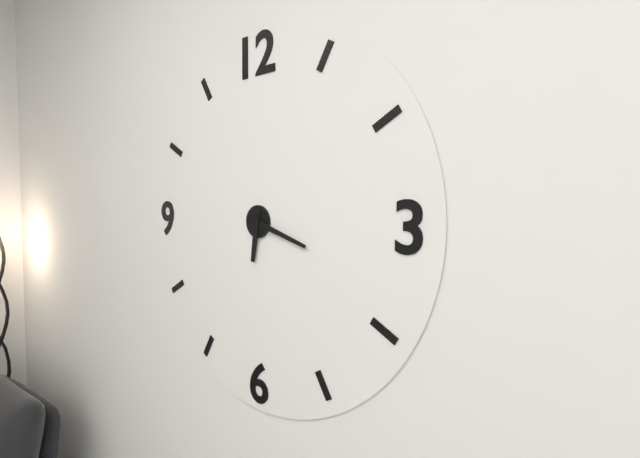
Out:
6 h 18 min
